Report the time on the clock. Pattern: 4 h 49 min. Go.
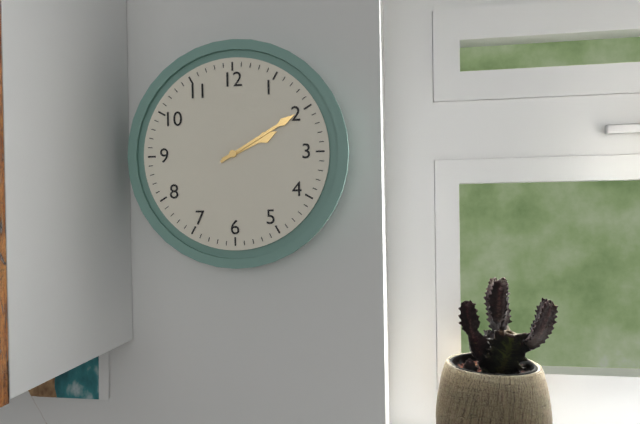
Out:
2 h 10 min
